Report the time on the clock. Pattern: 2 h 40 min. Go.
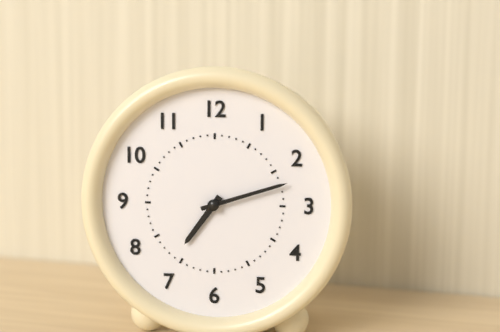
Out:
7 h 12 min
